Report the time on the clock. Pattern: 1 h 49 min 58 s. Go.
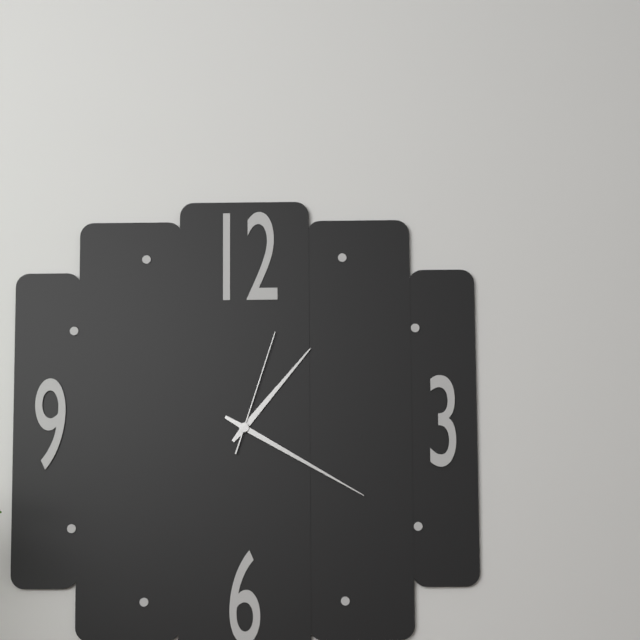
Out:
1 h 20 min 03 s
